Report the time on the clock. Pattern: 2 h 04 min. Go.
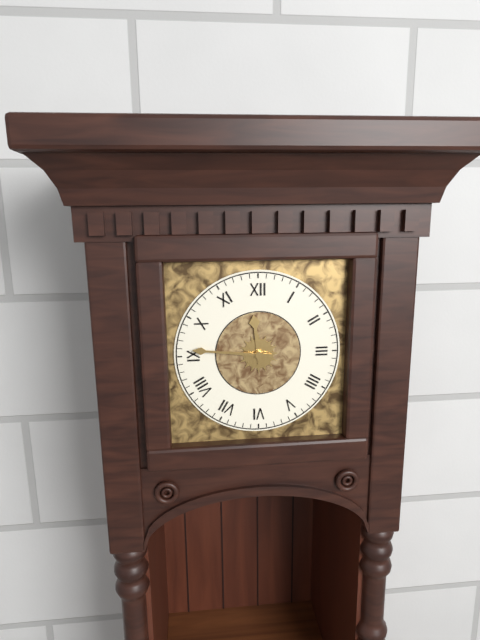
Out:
11 h 46 min
